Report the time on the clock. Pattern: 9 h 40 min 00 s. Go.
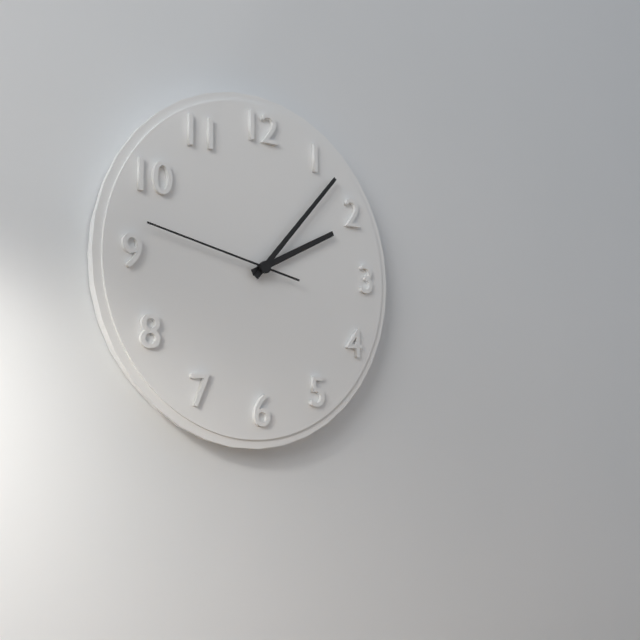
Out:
2 h 07 min 47 s
